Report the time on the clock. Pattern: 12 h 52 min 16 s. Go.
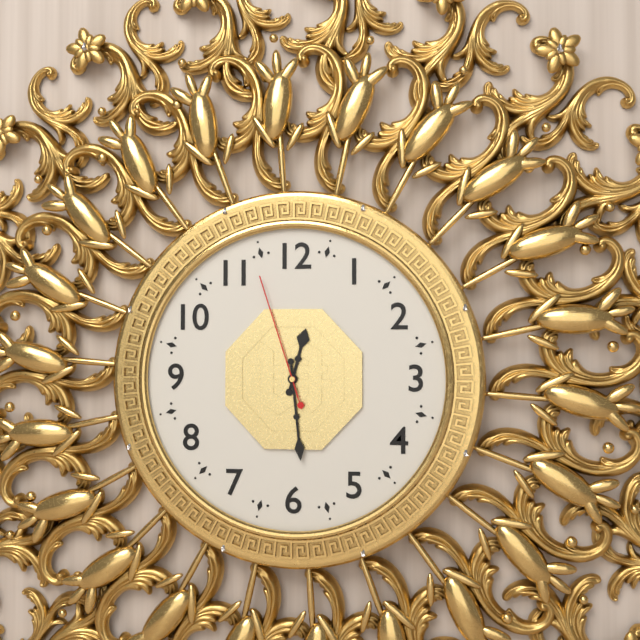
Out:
12 h 29 min 57 s
